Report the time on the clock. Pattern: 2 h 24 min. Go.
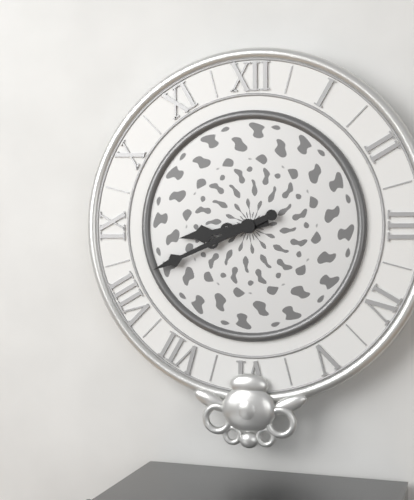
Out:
8 h 41 min
